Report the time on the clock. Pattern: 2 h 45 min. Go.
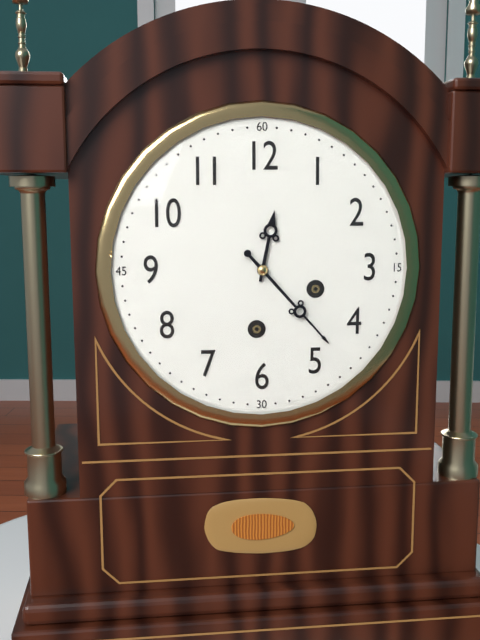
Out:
12 h 23 min
